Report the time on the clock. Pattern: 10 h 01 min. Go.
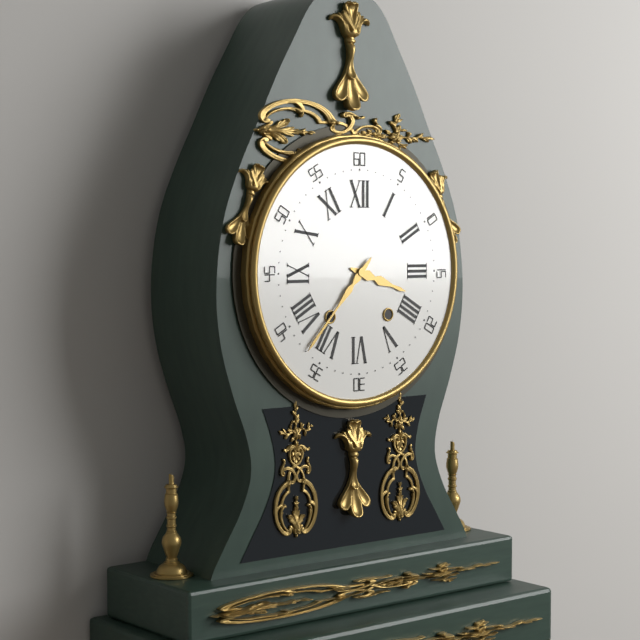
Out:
3 h 37 min
